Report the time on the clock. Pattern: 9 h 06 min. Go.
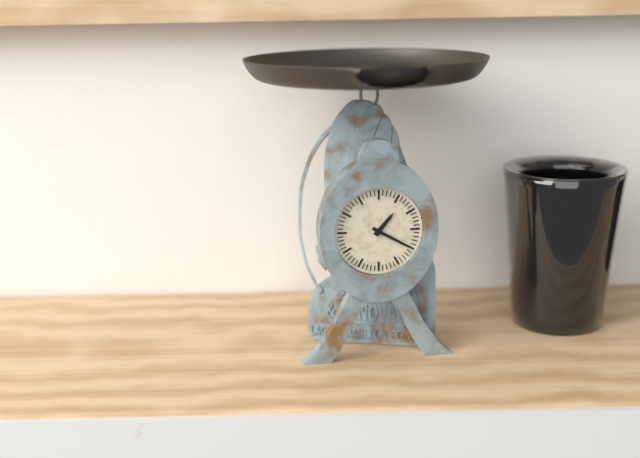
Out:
1 h 20 min
